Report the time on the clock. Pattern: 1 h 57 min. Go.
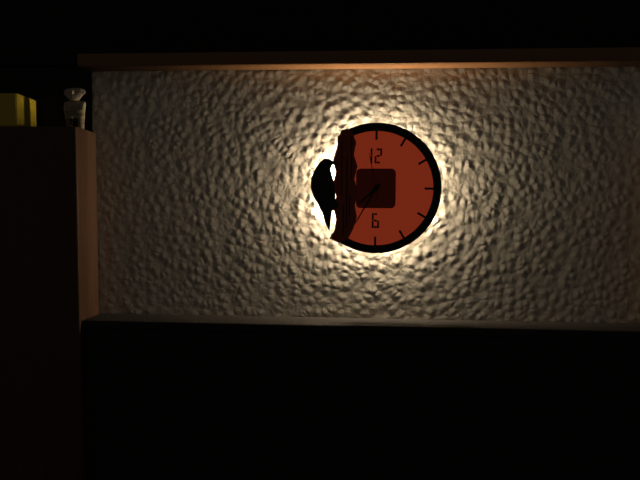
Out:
7 h 35 min
